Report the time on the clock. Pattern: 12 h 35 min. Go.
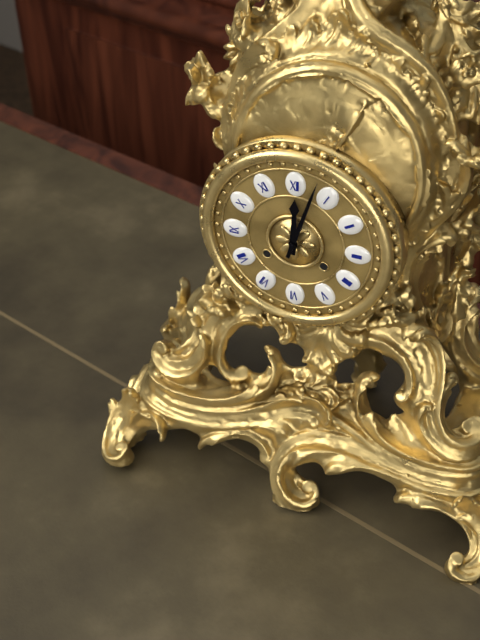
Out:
12 h 03 min
